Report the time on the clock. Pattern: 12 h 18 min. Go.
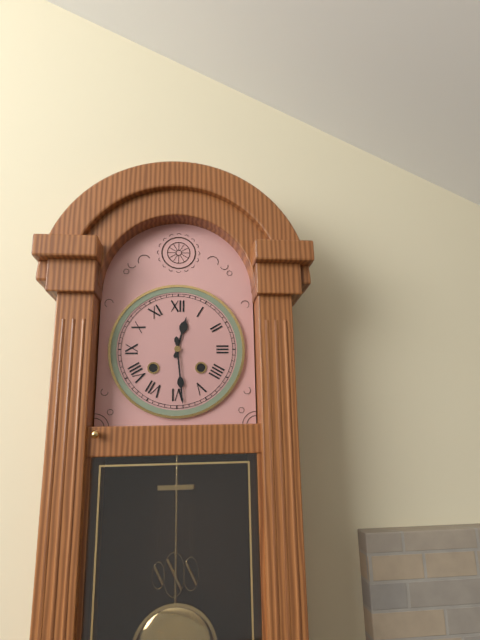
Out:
12 h 29 min
